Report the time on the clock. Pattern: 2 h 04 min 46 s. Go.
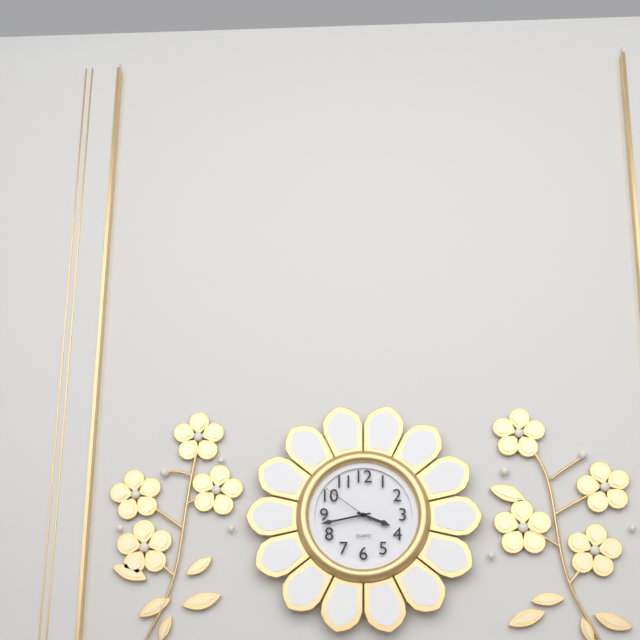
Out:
3 h 43 min 51 s
